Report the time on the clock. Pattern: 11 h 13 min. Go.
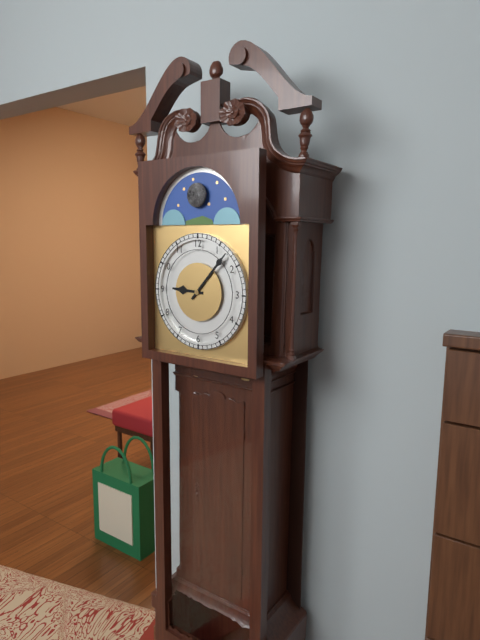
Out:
9 h 07 min
